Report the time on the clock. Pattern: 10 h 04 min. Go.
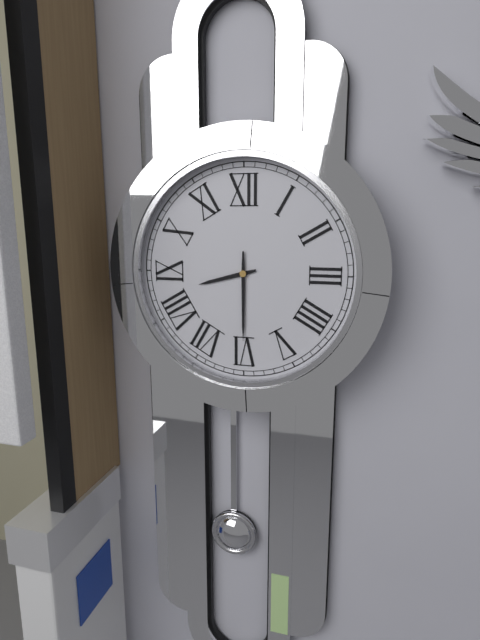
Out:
8 h 30 min
